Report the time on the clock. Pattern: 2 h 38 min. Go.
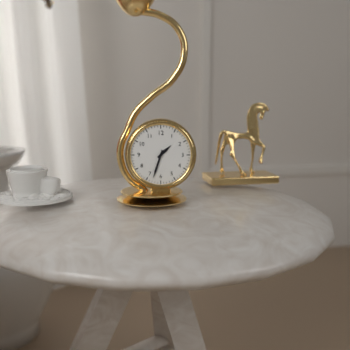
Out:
1 h 33 min
